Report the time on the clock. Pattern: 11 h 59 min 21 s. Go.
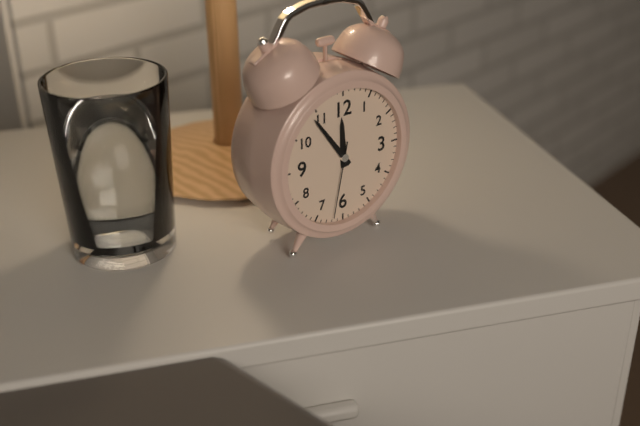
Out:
11 h 54 min 32 s
